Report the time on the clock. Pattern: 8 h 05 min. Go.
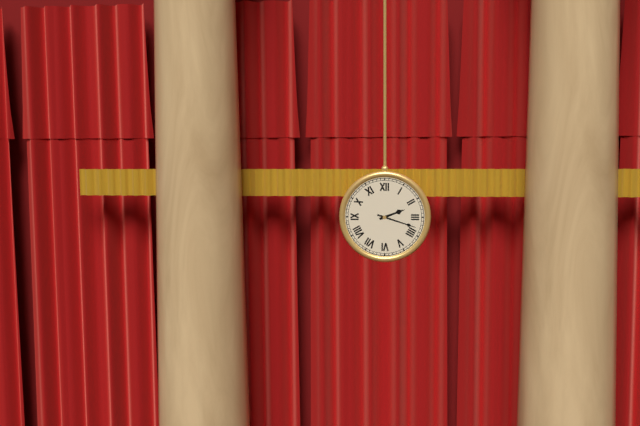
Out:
2 h 18 min
